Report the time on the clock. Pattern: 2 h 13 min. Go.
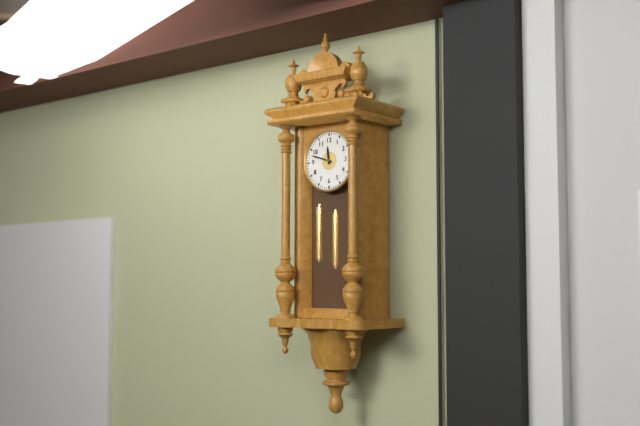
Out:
11 h 48 min
